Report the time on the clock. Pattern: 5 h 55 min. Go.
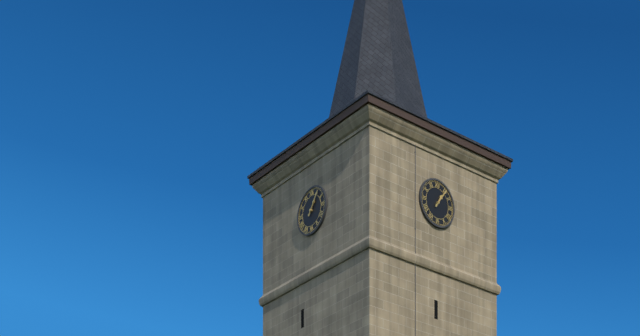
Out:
1 h 06 min
